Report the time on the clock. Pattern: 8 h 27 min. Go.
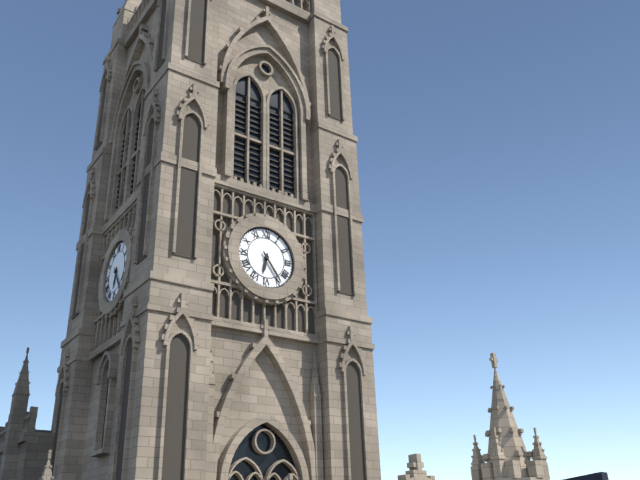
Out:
6 h 24 min
